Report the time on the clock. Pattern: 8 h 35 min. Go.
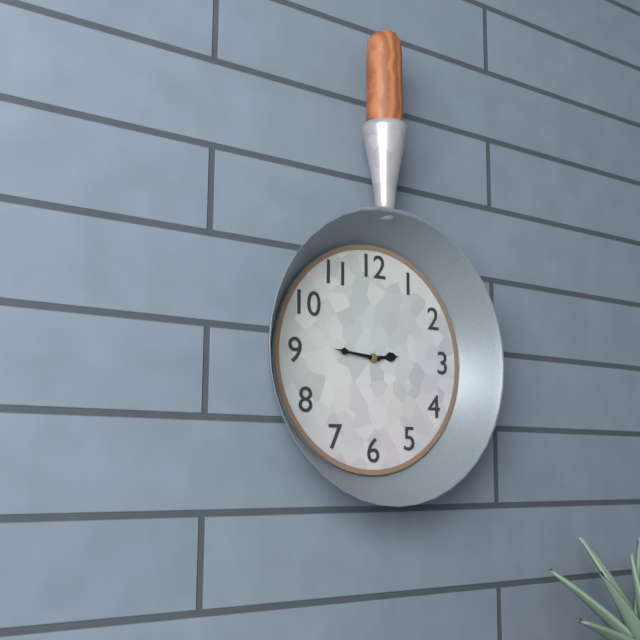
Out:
2 h 46 min
